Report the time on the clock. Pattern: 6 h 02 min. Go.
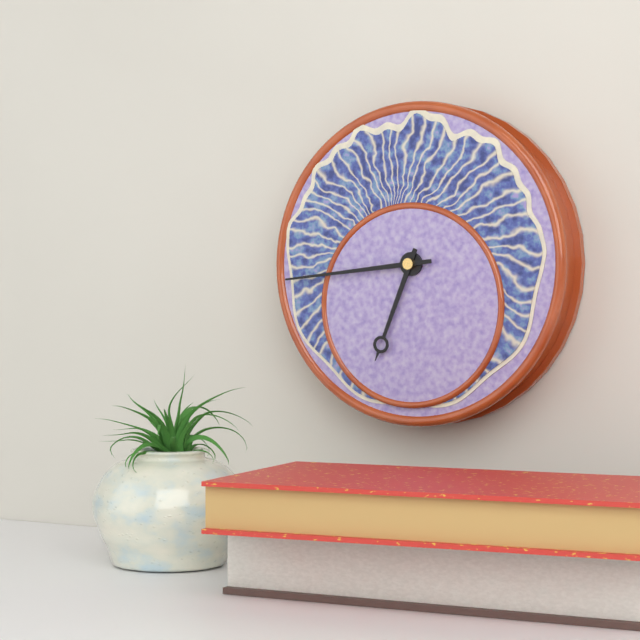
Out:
6 h 44 min
